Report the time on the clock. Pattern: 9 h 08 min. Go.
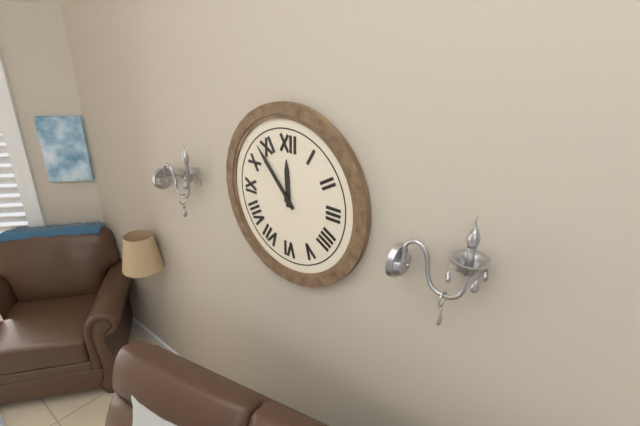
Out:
11 h 53 min
